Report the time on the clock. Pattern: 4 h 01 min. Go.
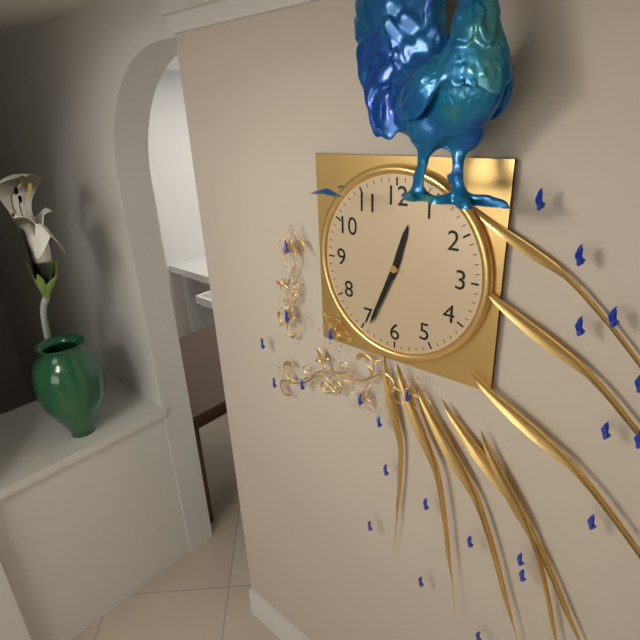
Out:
12 h 34 min
